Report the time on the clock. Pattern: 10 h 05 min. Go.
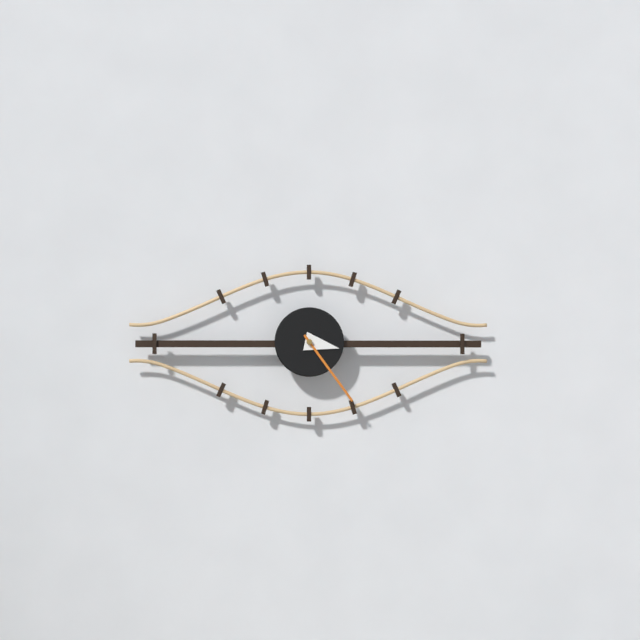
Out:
3 h 24 min
